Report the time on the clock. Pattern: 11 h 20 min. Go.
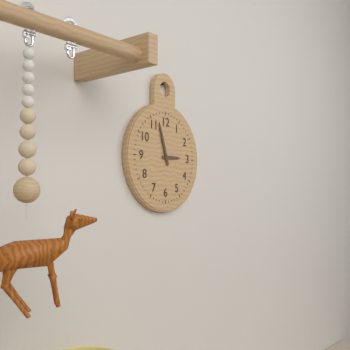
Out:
2 h 57 min
